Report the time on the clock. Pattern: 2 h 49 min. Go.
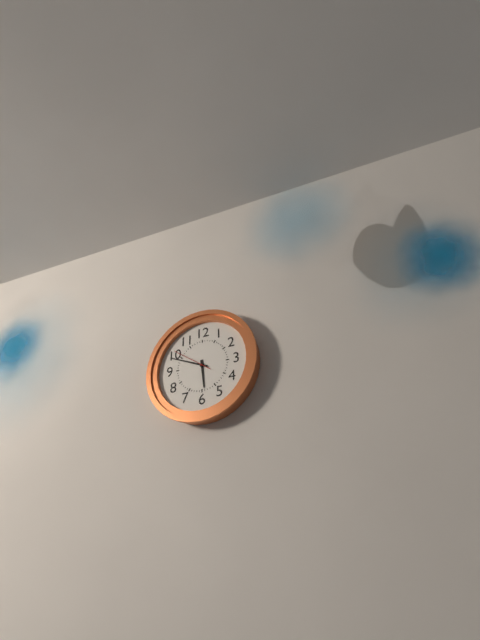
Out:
5 h 49 min
